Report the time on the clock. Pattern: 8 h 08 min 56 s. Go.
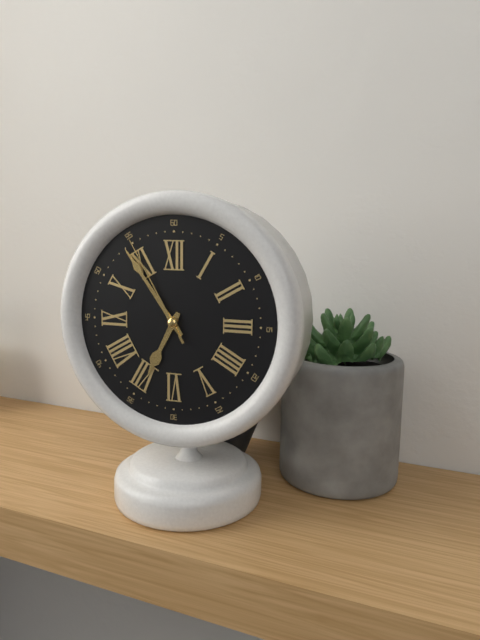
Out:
6 h 54 min 55 s
